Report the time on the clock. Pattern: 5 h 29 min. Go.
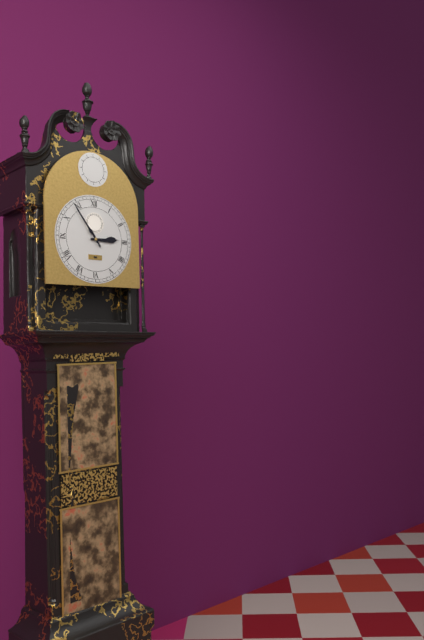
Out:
2 h 54 min
